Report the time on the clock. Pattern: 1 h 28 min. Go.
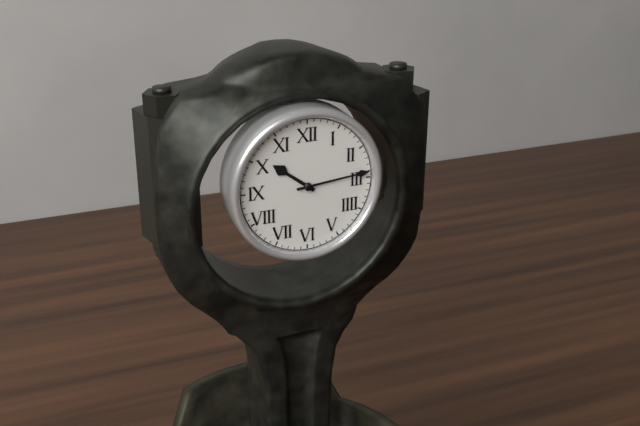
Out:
10 h 14 min
